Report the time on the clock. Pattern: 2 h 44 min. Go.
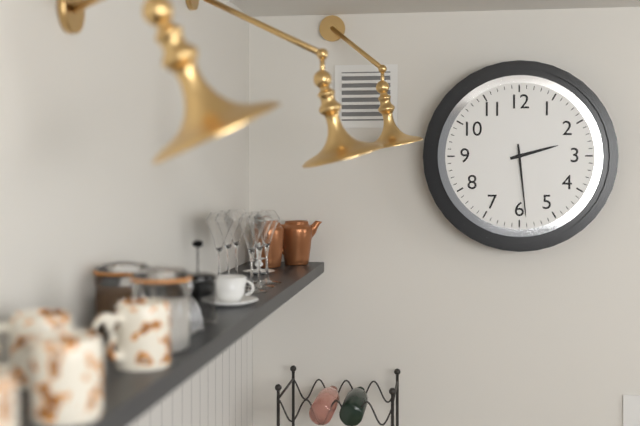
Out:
2 h 29 min
